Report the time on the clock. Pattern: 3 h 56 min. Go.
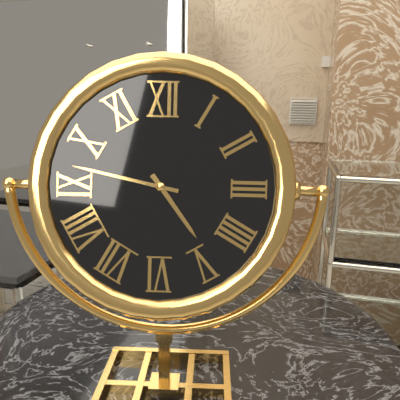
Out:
4 h 47 min
